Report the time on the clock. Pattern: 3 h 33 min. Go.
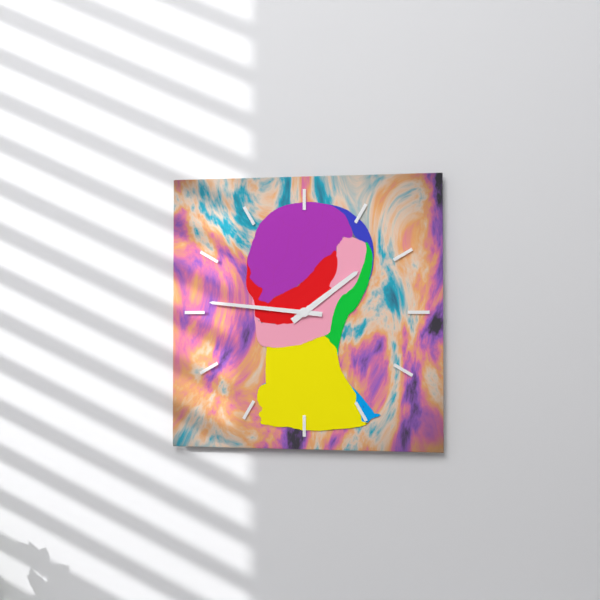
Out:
1 h 46 min
